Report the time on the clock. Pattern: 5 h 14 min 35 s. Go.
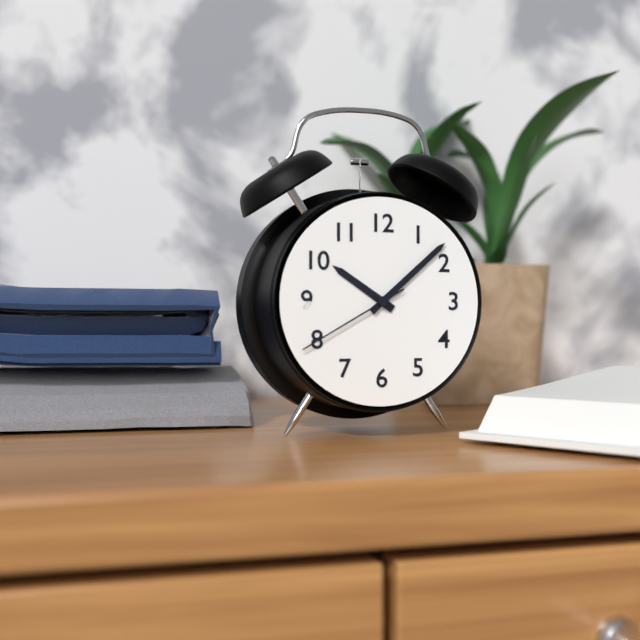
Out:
10 h 08 min 40 s
